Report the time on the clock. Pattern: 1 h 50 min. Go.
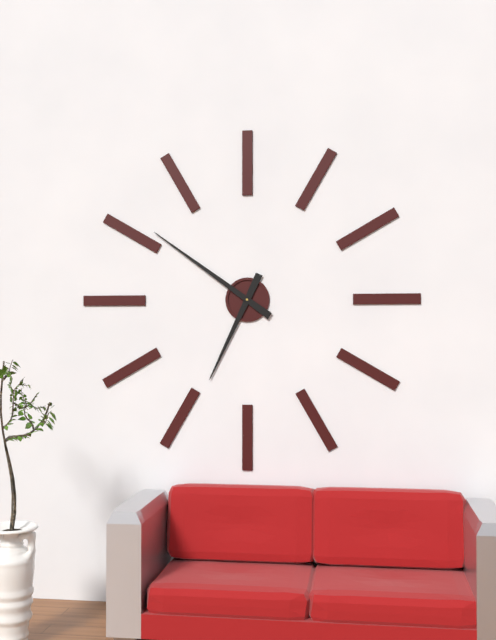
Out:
6 h 51 min
